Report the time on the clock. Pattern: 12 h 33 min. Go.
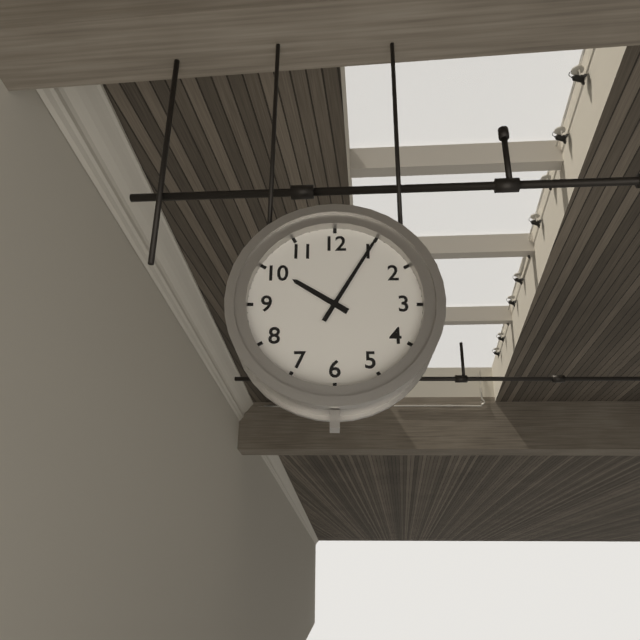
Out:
10 h 05 min
